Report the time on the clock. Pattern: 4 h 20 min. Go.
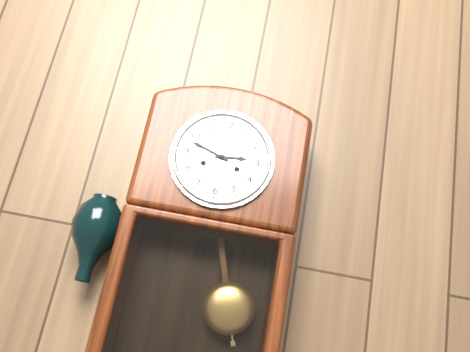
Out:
2 h 48 min
